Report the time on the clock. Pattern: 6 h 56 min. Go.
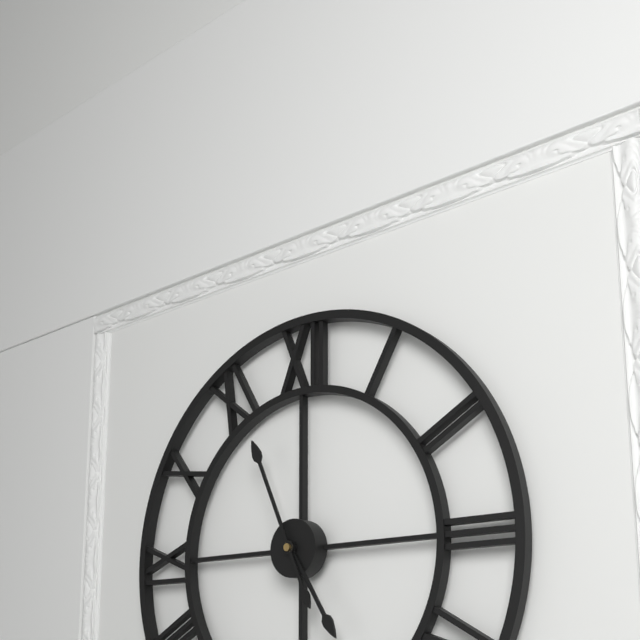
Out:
4 h 56 min
